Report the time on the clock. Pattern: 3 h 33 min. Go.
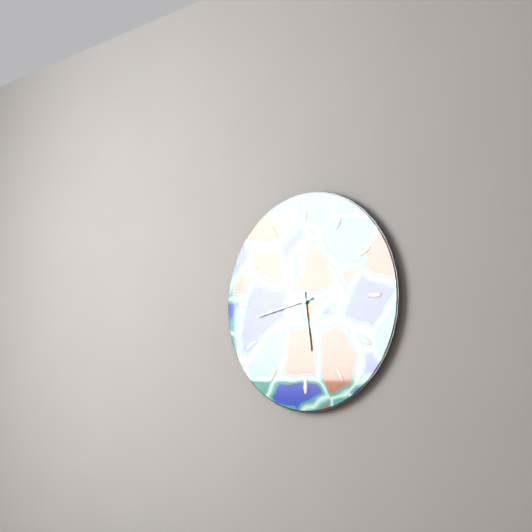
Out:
5 h 43 min
